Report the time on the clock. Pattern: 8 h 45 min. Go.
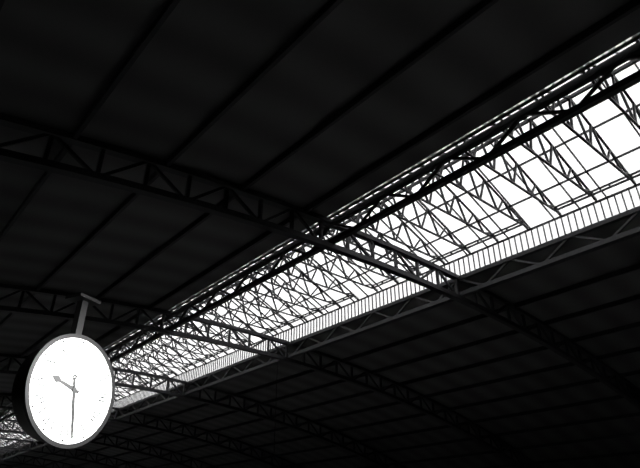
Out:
9 h 28 min
